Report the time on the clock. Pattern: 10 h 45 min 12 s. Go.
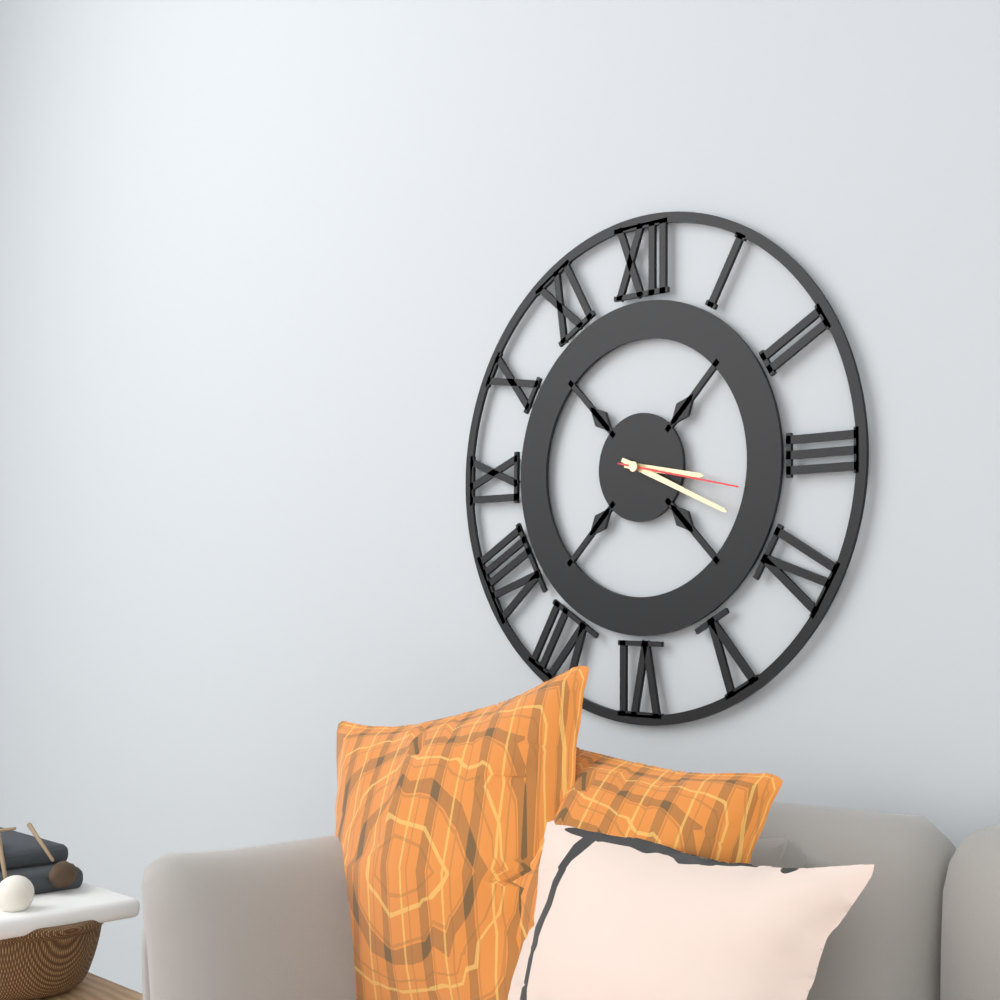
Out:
3 h 19 min 17 s
